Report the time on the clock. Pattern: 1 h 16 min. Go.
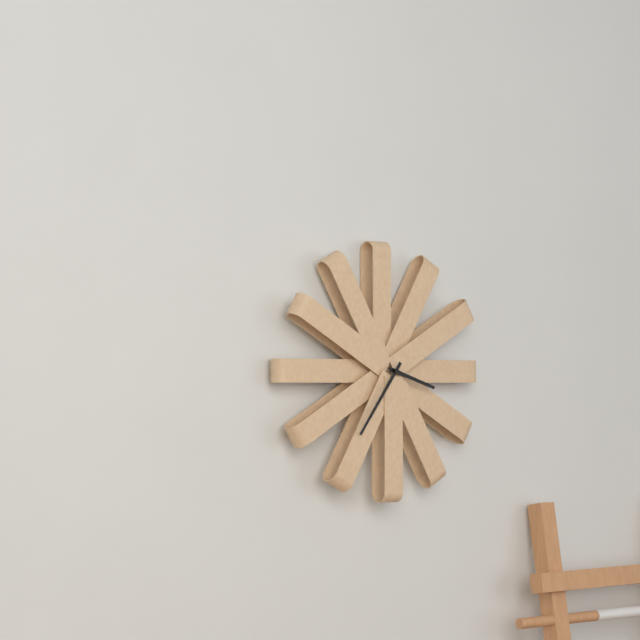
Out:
3 h 36 min
